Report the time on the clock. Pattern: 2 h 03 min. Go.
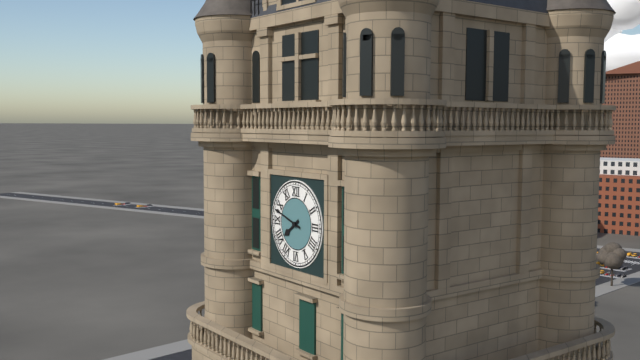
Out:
7 h 48 min
